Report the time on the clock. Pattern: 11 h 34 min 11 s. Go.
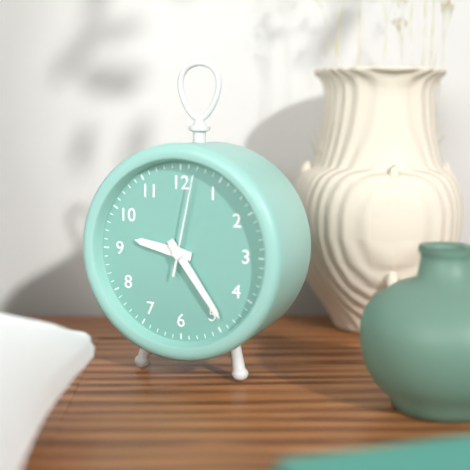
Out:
9 h 24 min 02 s
